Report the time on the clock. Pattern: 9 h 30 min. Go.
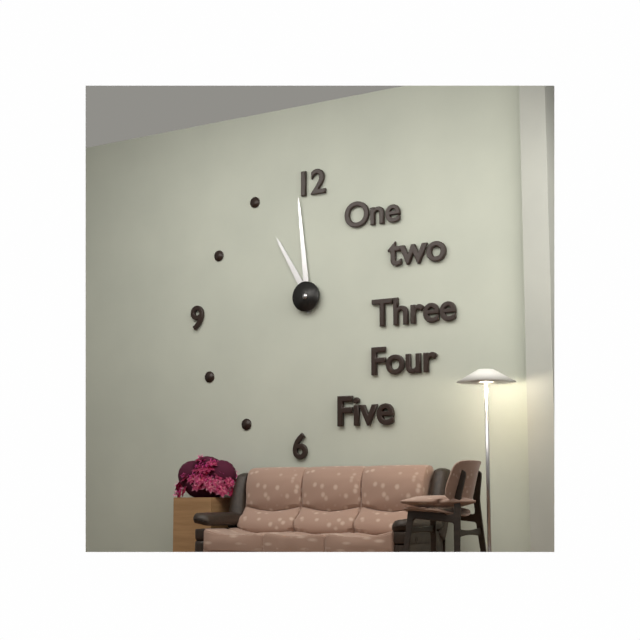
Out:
10 h 59 min
